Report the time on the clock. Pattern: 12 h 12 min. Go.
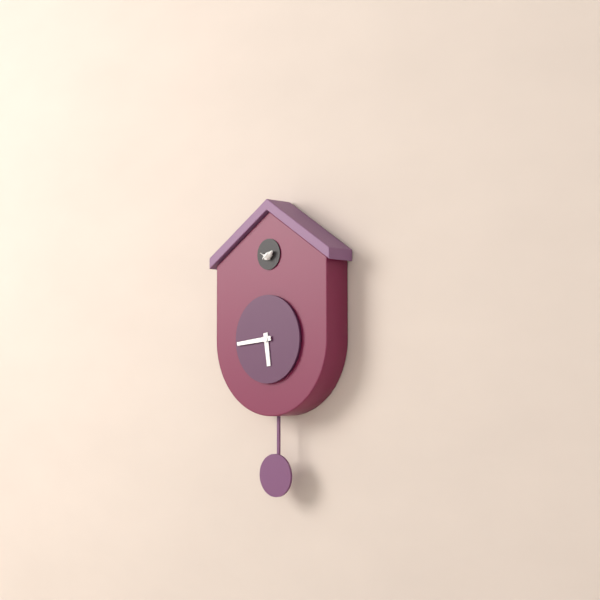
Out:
5 h 44 min
